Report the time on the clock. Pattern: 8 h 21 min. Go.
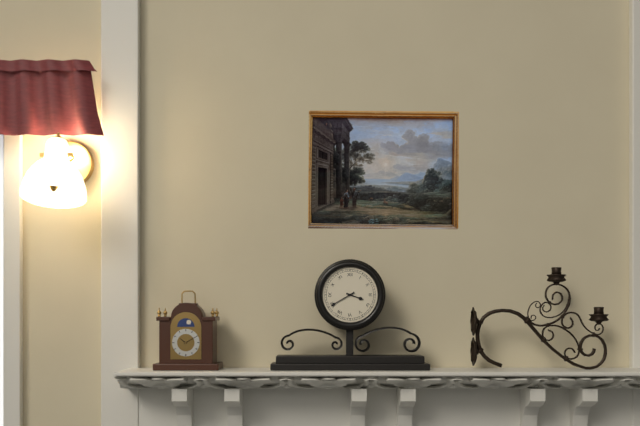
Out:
3 h 40 min
